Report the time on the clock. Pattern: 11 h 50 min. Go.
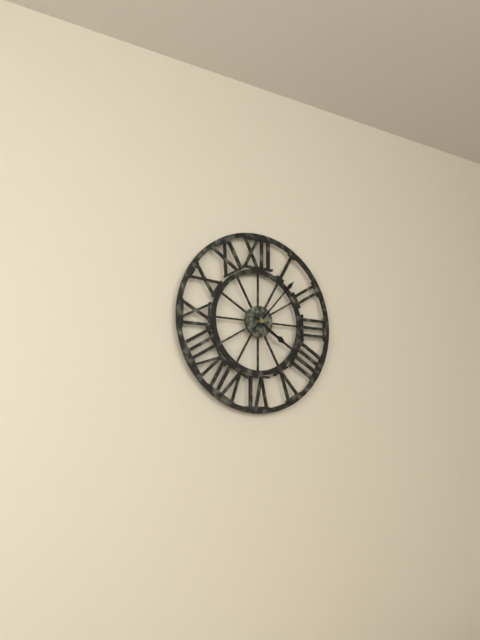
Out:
4 h 07 min
